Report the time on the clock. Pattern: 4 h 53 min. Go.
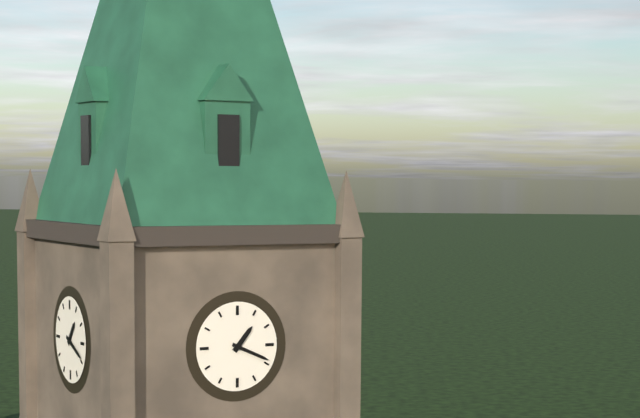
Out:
1 h 19 min
